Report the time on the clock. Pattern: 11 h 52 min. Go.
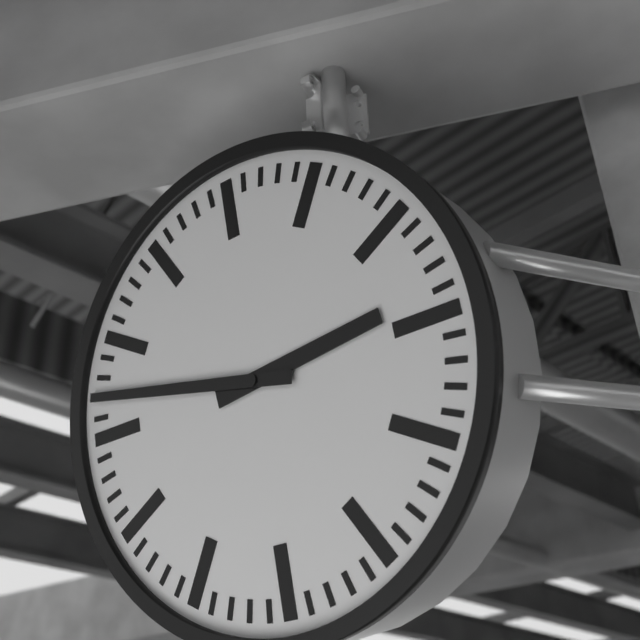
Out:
2 h 47 min
